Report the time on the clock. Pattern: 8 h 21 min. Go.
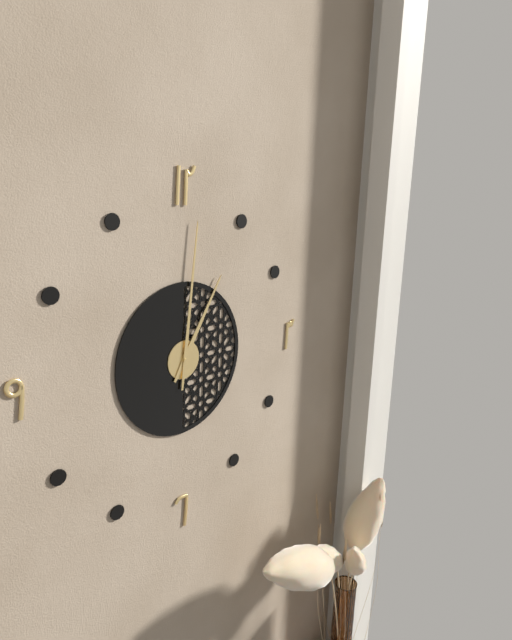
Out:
1 h 01 min
